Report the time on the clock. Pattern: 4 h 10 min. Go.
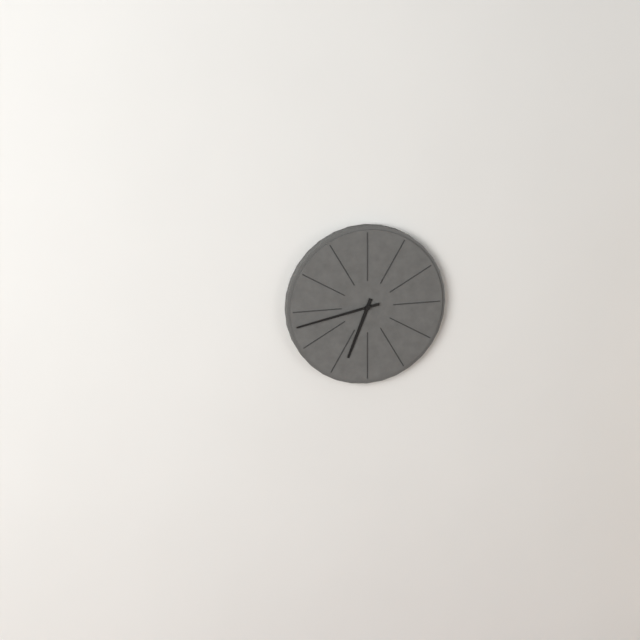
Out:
6 h 43 min
